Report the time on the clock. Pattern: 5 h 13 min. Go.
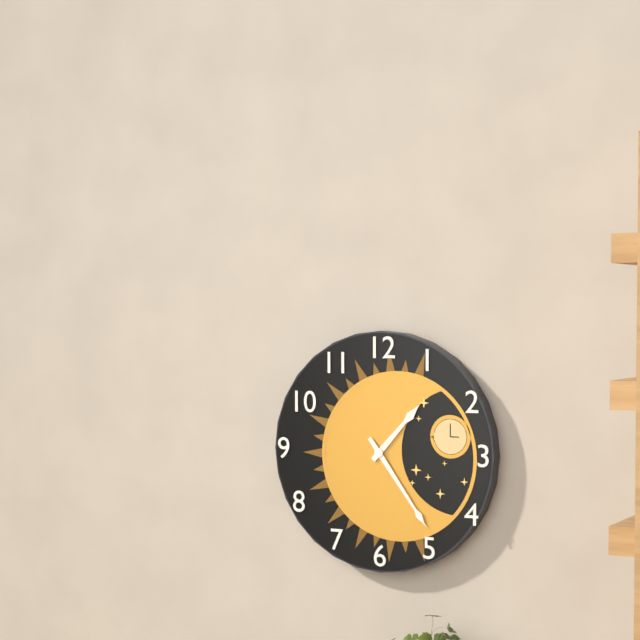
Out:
1 h 24 min
